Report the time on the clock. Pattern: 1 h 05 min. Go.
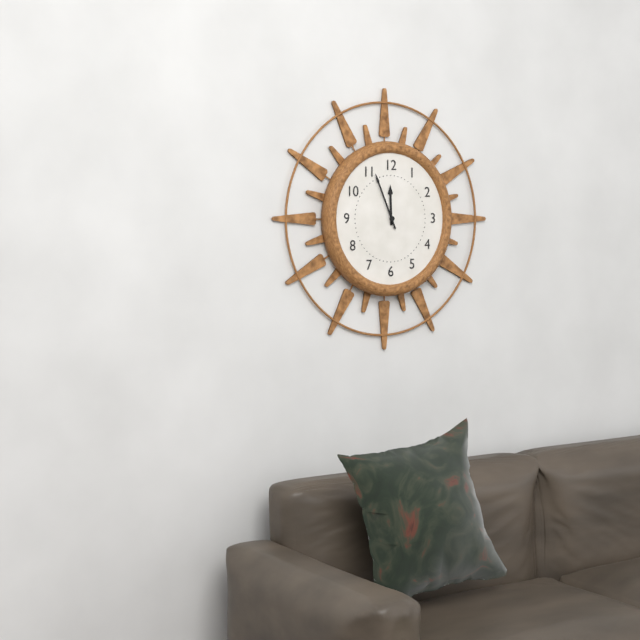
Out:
11 h 56 min
